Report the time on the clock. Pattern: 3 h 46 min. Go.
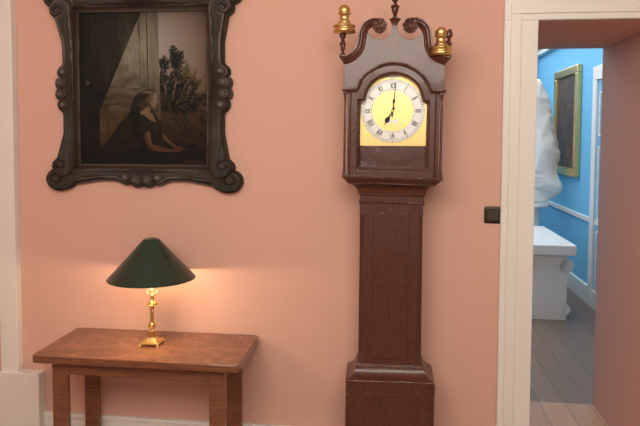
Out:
7 h 01 min
